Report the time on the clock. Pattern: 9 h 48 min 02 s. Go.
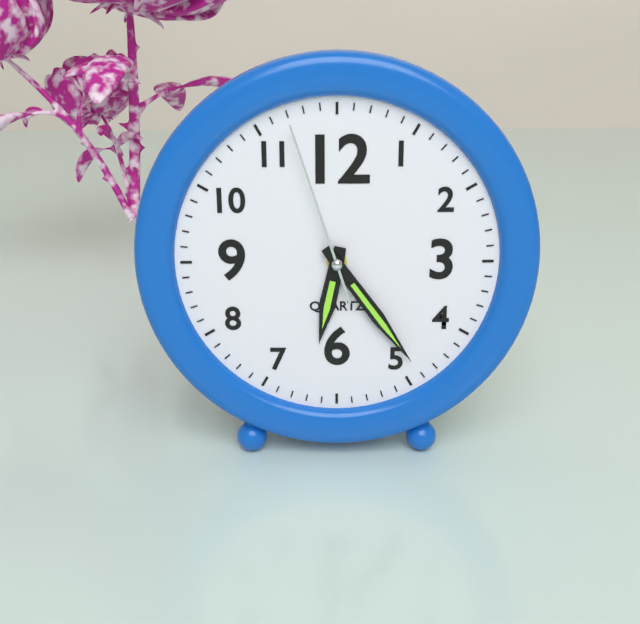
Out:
6 h 24 min 57 s
